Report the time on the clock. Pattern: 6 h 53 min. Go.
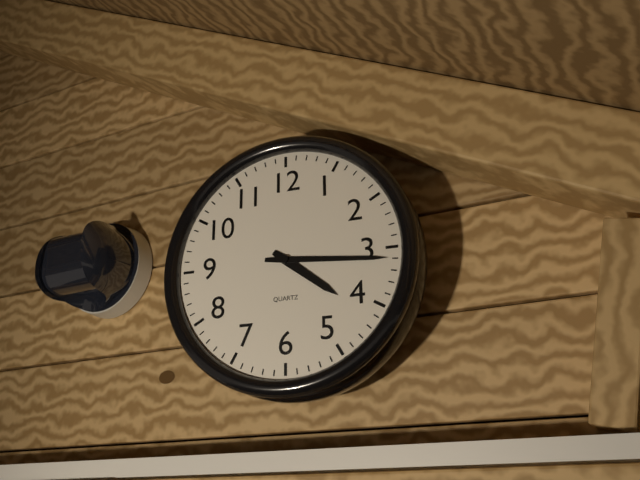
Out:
4 h 16 min
